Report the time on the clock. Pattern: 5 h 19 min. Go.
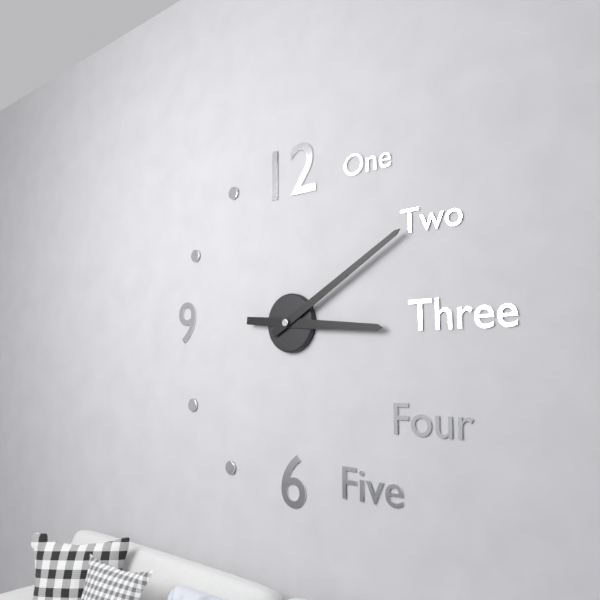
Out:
3 h 10 min
